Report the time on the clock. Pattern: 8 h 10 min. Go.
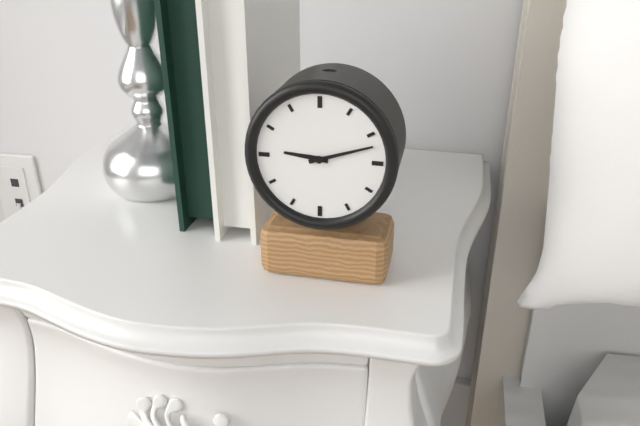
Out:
9 h 12 min
